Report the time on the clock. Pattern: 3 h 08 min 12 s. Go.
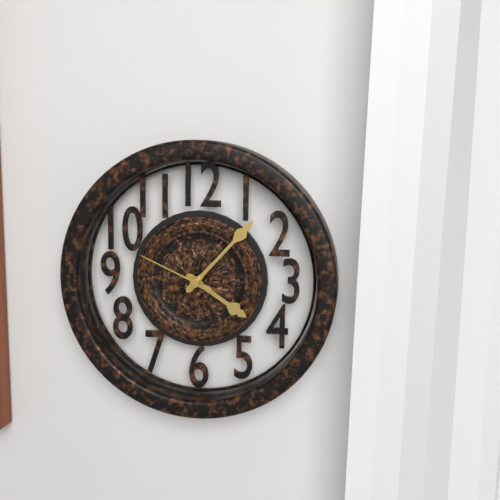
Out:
4 h 07 min 49 s
